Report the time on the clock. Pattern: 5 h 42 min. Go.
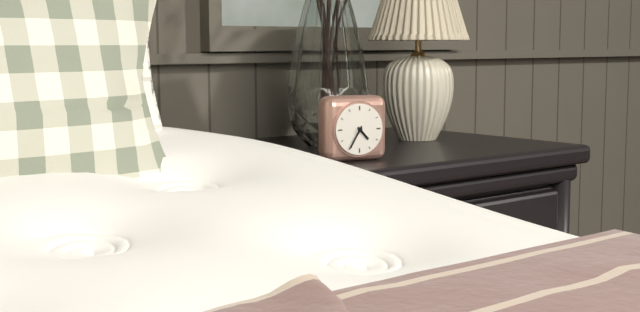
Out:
4 h 35 min
